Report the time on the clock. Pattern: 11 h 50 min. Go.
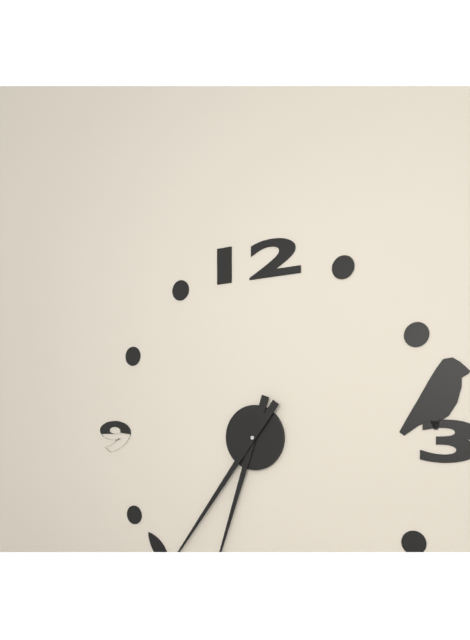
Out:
6 h 36 min
